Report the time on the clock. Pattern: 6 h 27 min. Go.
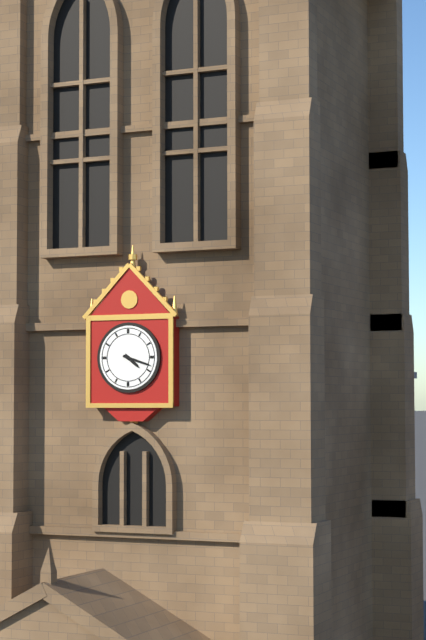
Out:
4 h 18 min
